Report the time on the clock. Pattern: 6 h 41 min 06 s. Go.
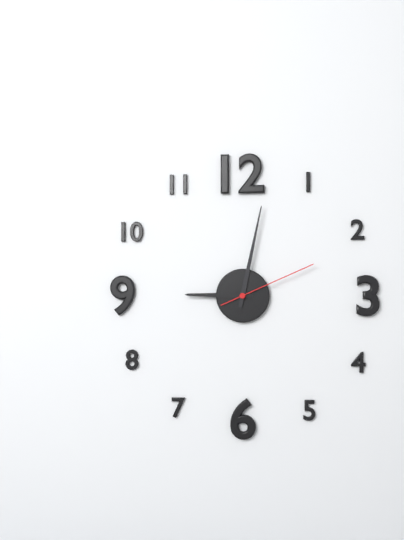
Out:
9 h 02 min 11 s
